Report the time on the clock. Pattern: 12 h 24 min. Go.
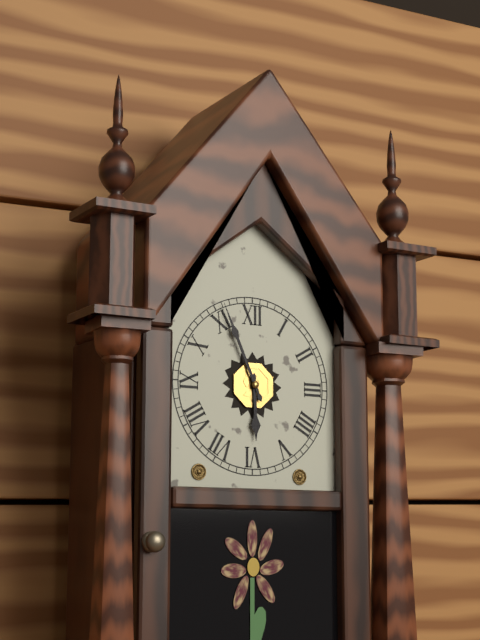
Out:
5 h 56 min
